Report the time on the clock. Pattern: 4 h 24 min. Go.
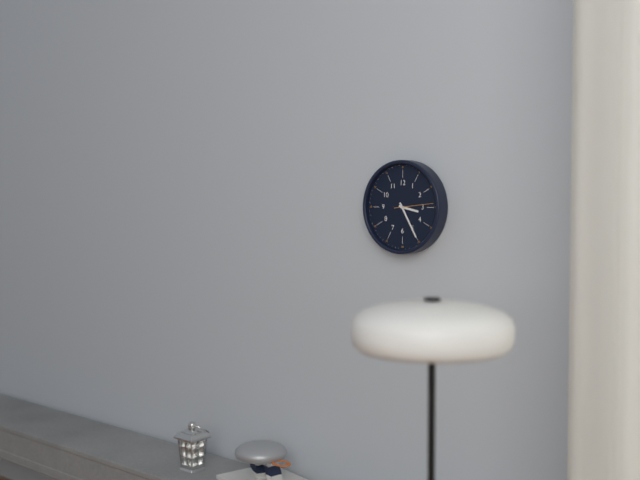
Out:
3 h 25 min
